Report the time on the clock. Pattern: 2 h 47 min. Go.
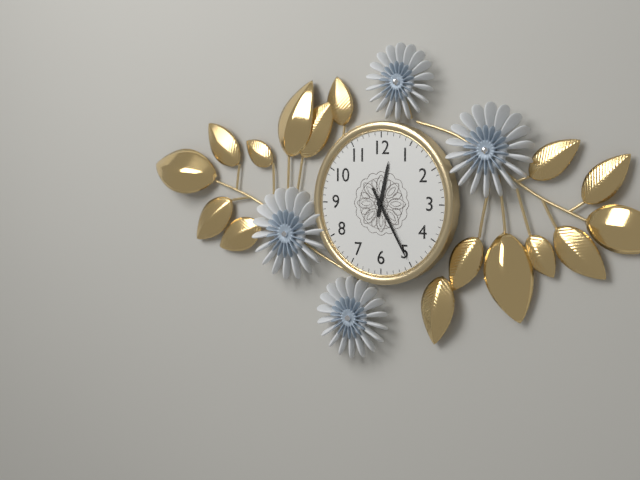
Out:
12 h 25 min
